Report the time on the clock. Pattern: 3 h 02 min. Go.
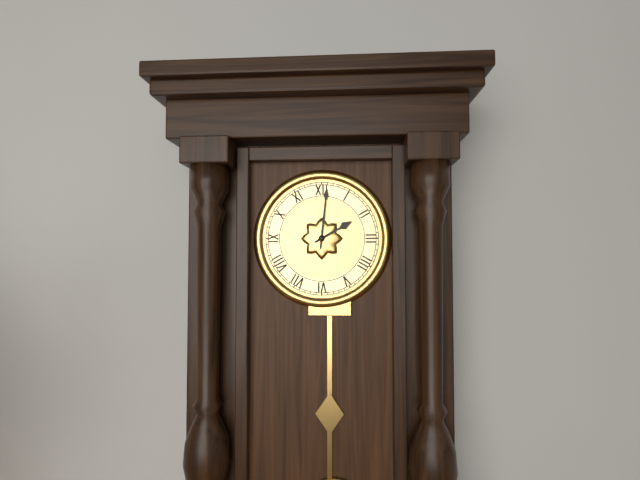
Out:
2 h 01 min
